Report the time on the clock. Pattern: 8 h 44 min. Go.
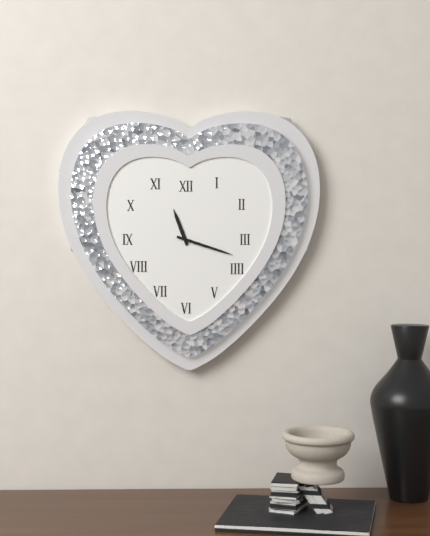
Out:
11 h 18 min
